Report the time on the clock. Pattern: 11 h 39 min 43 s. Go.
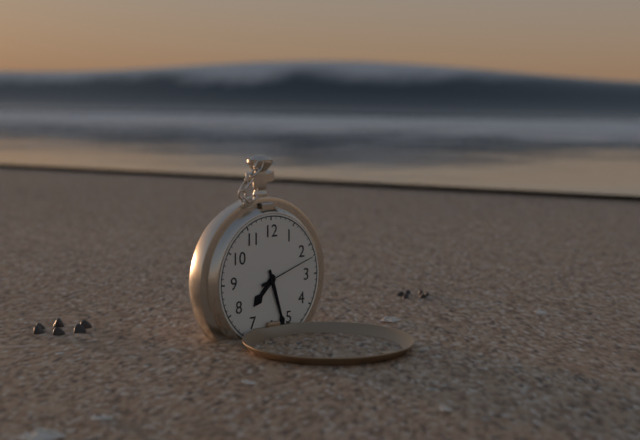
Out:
7 h 27 min 12 s
